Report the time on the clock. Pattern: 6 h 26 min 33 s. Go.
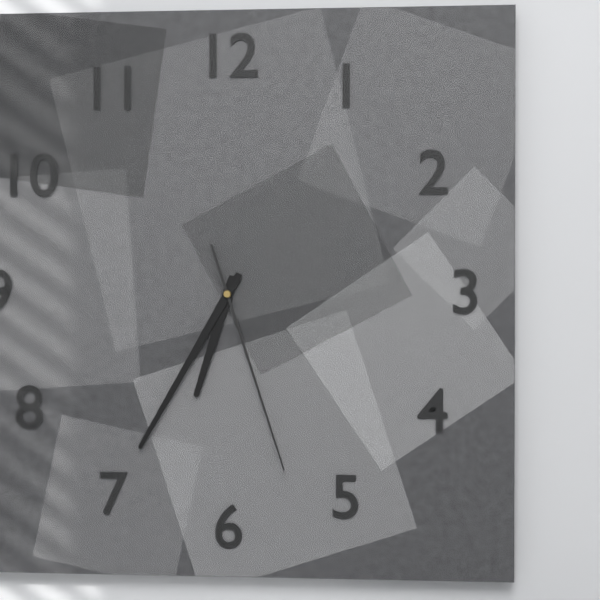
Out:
6 h 35 min 27 s
